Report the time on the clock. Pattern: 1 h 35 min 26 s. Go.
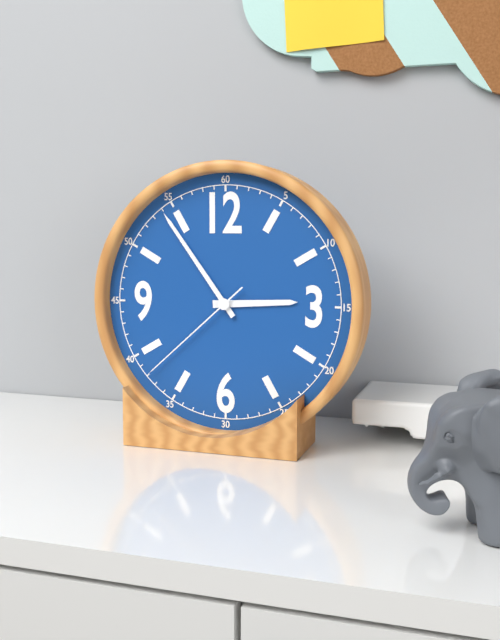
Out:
2 h 54 min 38 s
